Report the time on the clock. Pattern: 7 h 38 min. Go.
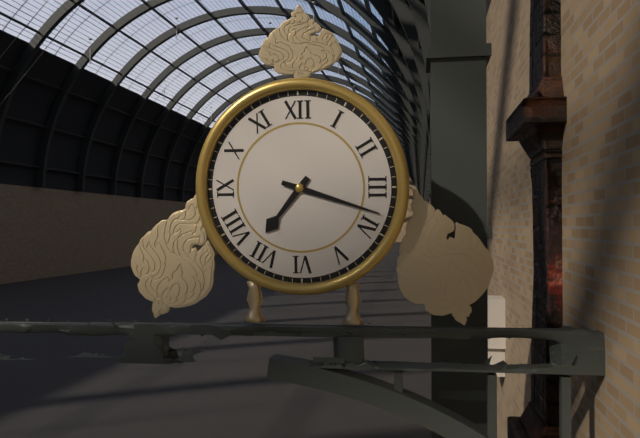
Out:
7 h 18 min
